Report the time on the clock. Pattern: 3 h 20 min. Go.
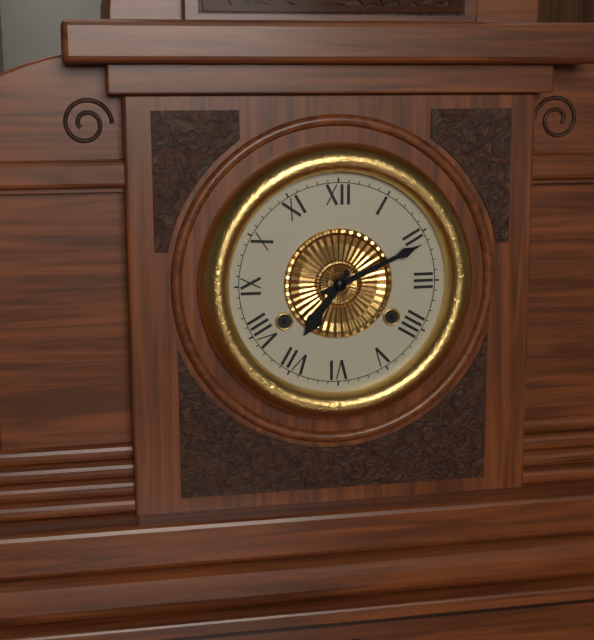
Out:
7 h 11 min
